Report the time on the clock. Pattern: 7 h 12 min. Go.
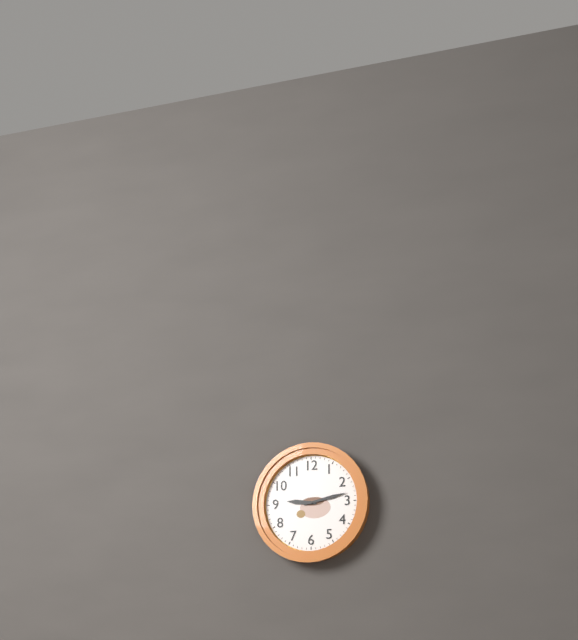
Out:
9 h 13 min
